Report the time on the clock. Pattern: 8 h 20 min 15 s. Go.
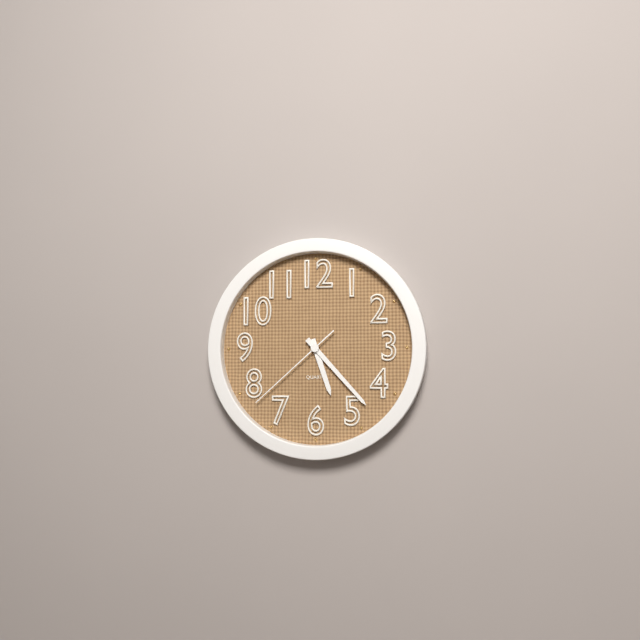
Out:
5 h 23 min 38 s
